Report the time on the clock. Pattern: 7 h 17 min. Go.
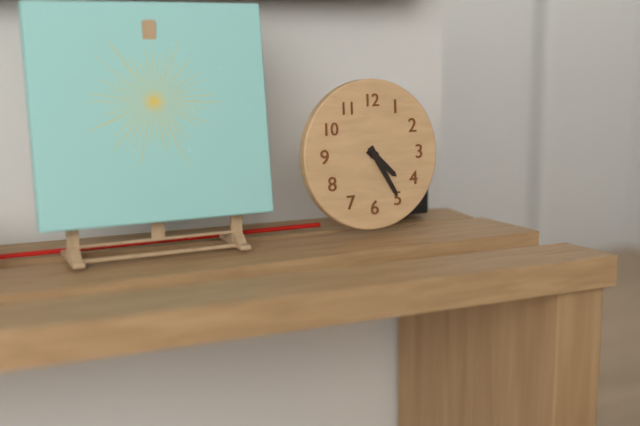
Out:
4 h 25 min
